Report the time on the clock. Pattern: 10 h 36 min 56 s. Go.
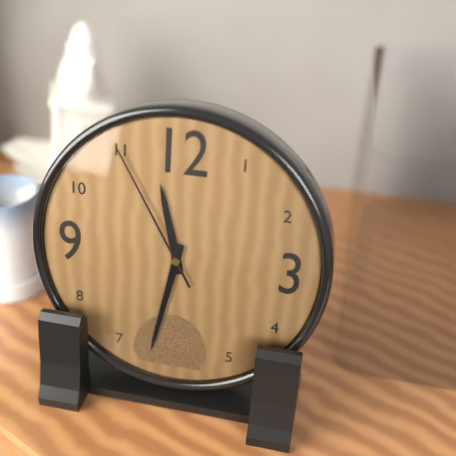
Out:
11 h 32 min 55 s
